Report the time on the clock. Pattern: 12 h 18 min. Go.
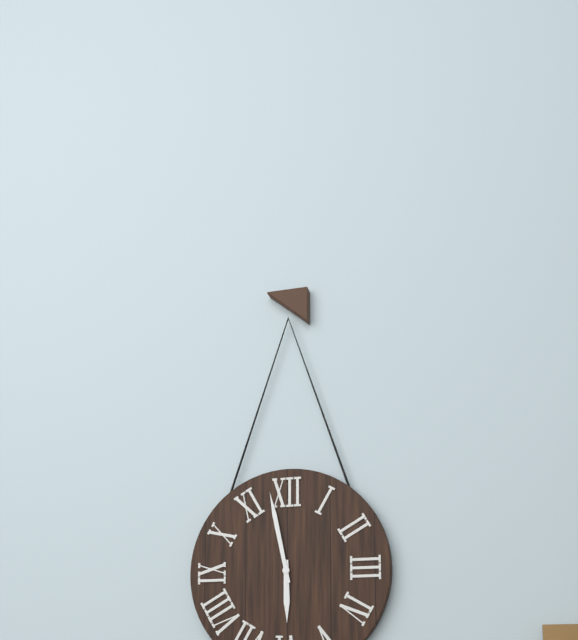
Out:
5 h 58 min
